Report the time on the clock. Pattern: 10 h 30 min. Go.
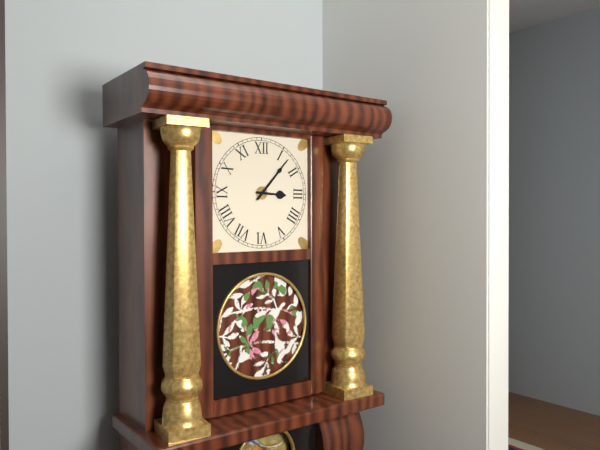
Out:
3 h 07 min
